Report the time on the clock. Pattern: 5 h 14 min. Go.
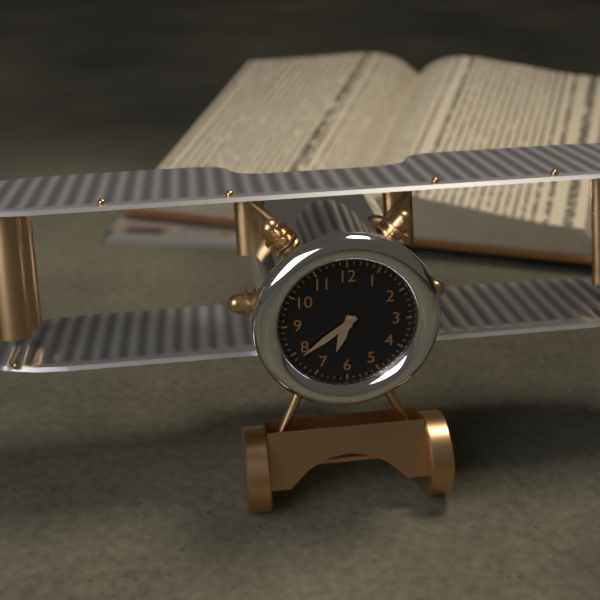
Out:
6 h 39 min
